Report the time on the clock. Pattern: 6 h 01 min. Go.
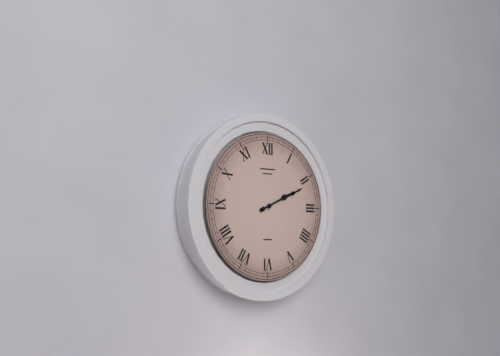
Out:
2 h 11 min
